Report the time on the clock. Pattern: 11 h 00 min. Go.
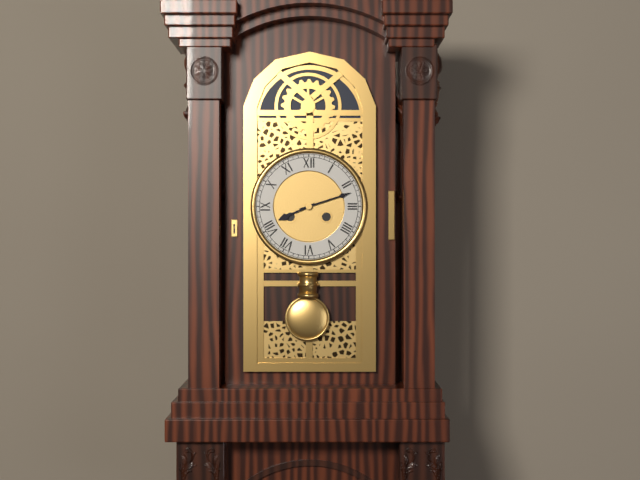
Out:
8 h 12 min
